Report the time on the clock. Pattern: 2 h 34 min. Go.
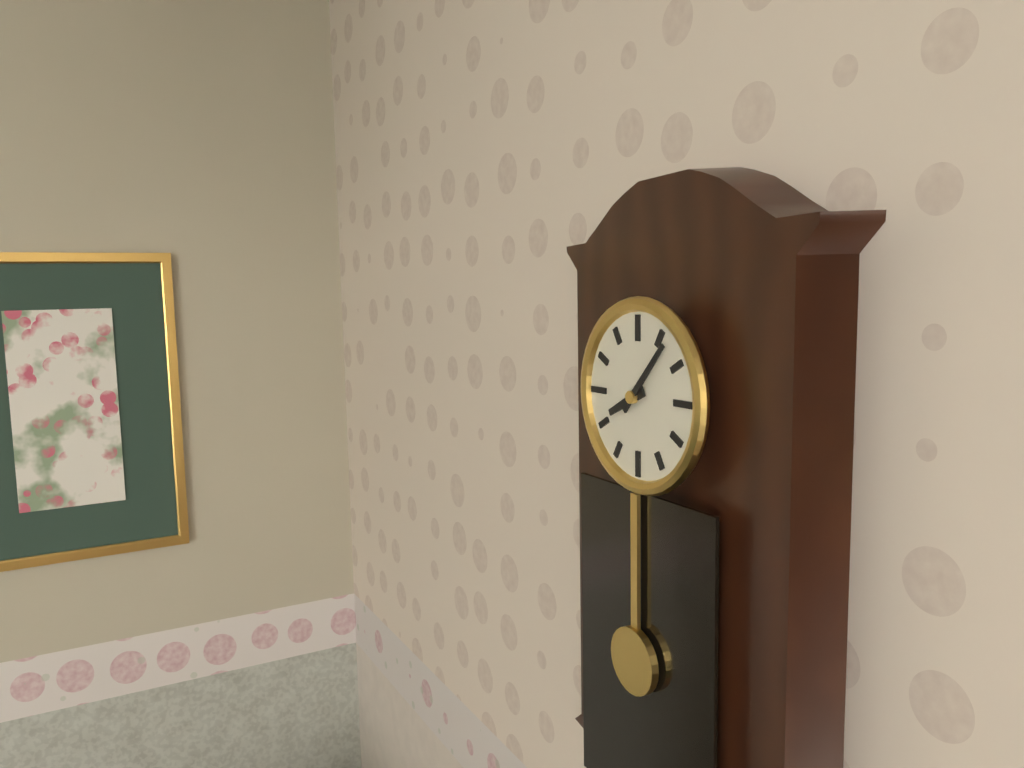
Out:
8 h 07 min
